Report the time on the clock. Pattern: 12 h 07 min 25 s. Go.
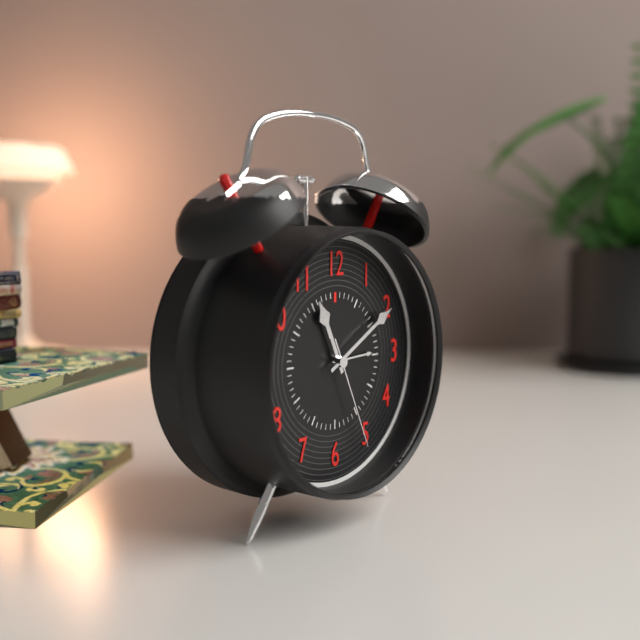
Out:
11 h 10 min 26 s
